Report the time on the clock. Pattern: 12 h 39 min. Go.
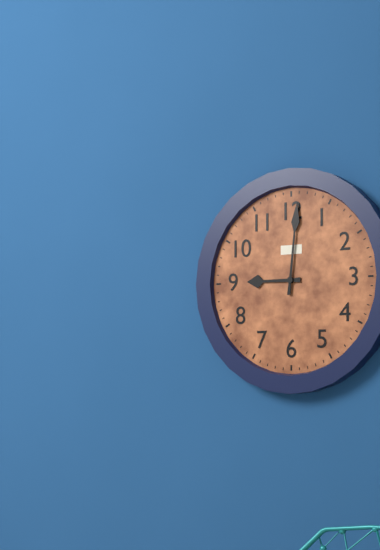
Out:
9 h 01 min
